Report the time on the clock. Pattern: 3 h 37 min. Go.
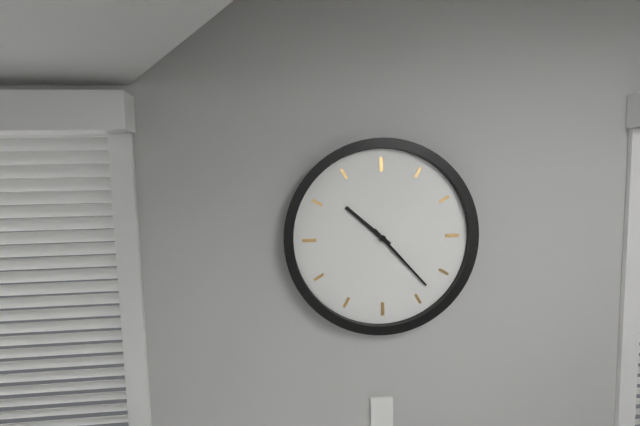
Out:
10 h 23 min
